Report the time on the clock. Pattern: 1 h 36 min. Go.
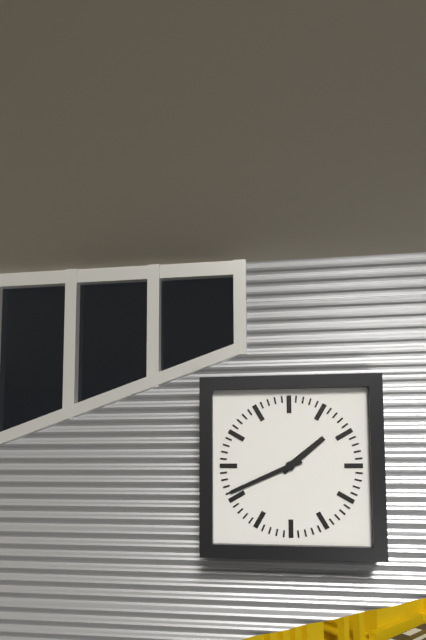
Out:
1 h 41 min
